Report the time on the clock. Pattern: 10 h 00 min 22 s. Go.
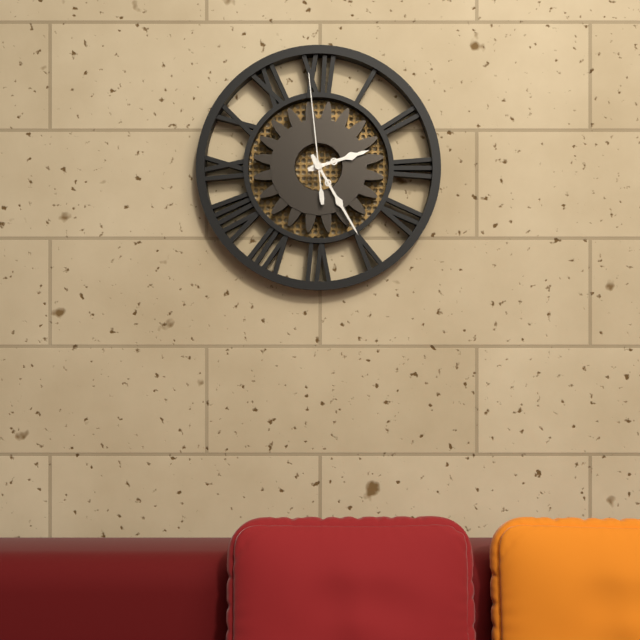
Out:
2 h 25 min 59 s
